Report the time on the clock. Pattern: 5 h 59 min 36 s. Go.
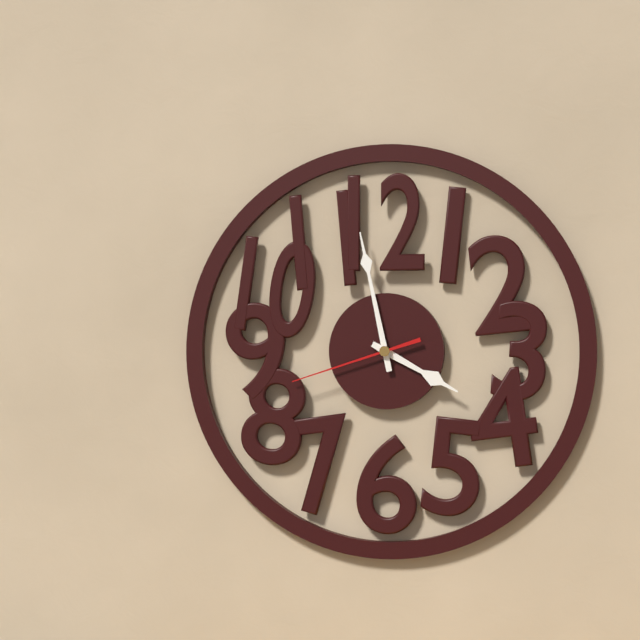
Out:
3 h 58 min 42 s
